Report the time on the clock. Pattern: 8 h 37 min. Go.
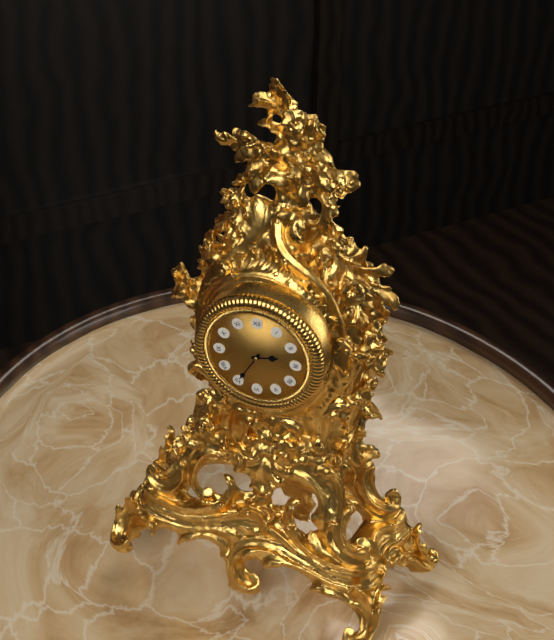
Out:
2 h 35 min
